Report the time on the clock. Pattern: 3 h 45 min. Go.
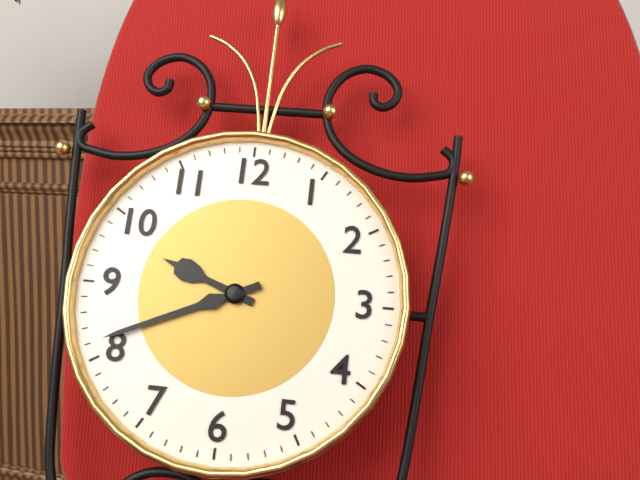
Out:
9 h 41 min
